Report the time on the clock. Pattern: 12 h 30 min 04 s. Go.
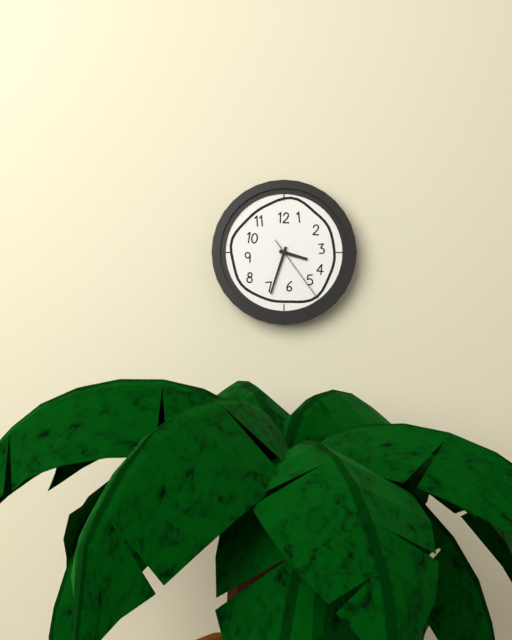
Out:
3 h 33 min 24 s
